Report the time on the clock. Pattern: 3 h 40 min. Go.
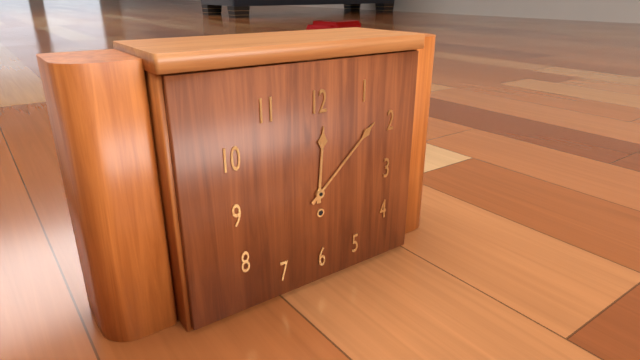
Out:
12 h 08 min
